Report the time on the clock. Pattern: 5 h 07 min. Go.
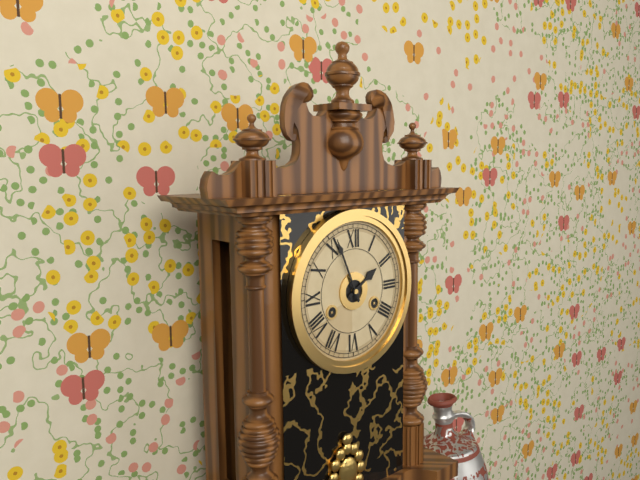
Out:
1 h 56 min
